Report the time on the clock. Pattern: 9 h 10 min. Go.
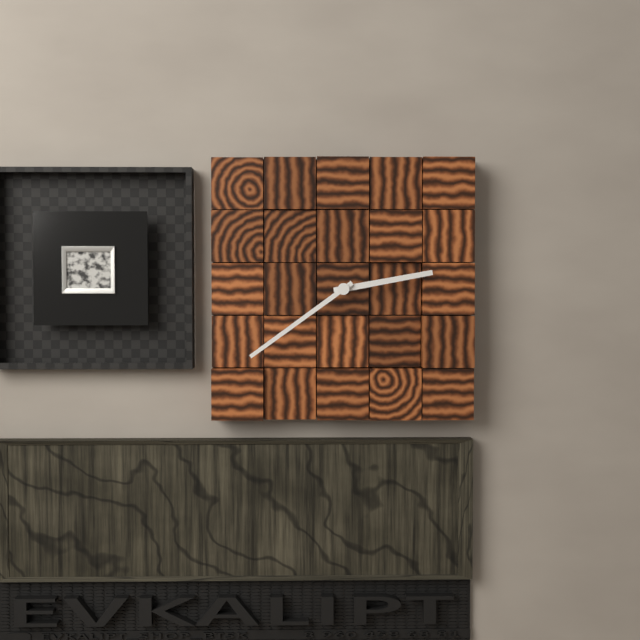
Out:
2 h 39 min
